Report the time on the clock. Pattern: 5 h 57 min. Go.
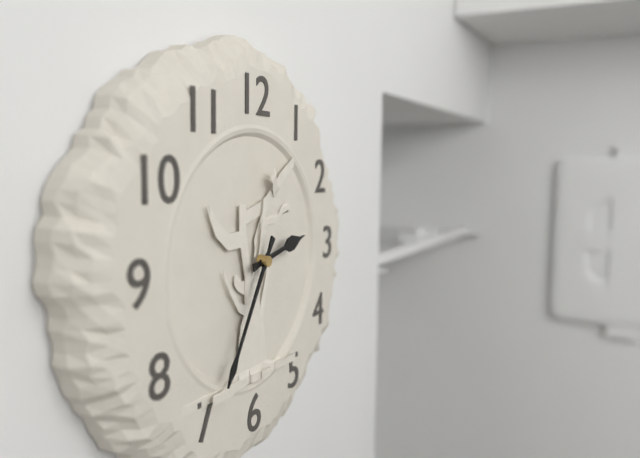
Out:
2 h 35 min
